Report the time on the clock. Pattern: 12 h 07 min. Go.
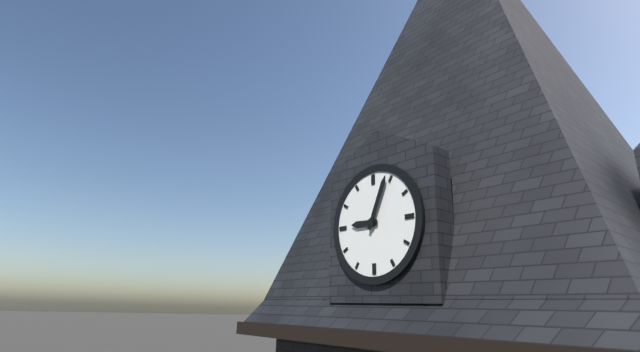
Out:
9 h 04 min
